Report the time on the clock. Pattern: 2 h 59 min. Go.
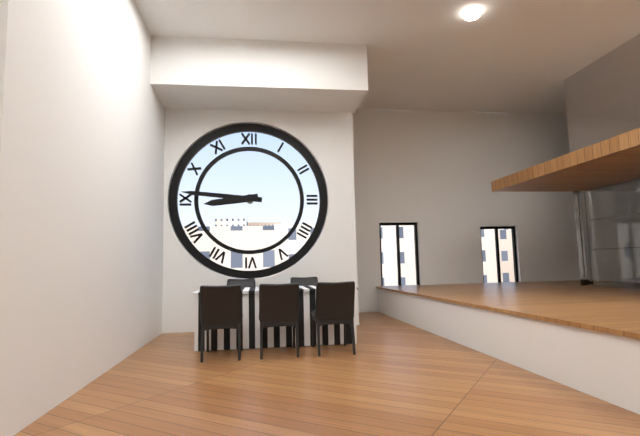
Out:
8 h 46 min
